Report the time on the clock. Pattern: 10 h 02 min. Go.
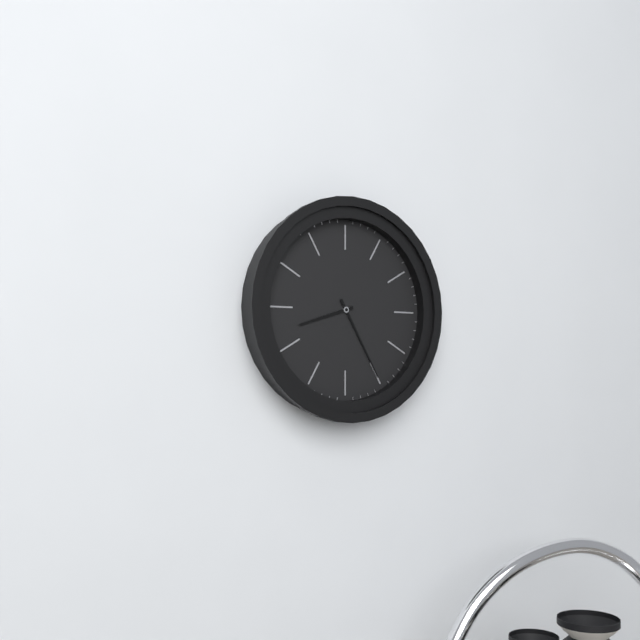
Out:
8 h 25 min
